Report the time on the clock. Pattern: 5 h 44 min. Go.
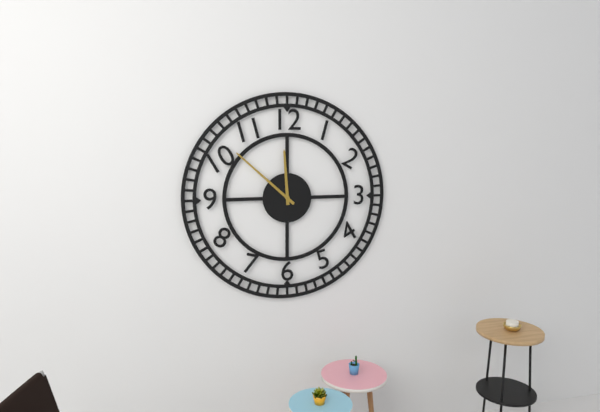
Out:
11 h 52 min
